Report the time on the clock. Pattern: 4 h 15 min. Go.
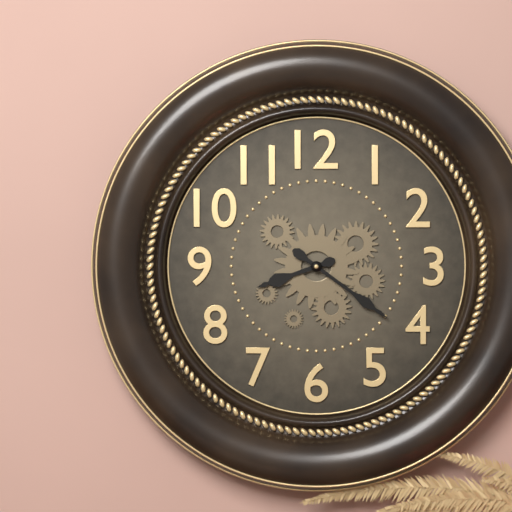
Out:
8 h 21 min
